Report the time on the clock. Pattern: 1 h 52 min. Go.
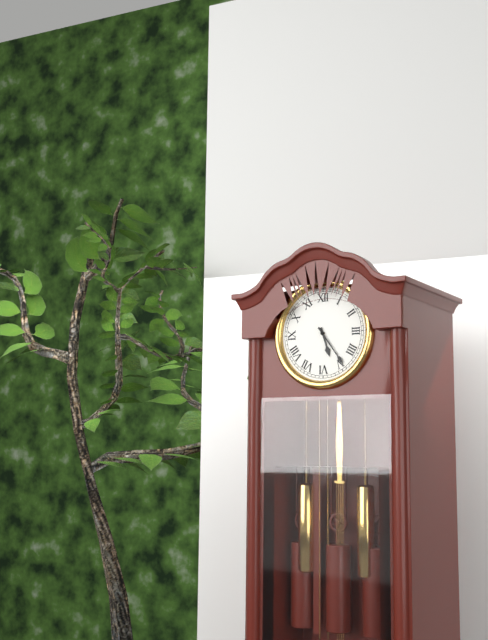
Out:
5 h 24 min
